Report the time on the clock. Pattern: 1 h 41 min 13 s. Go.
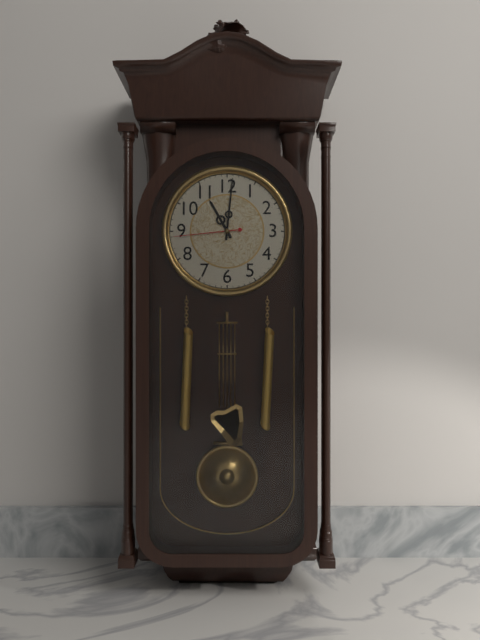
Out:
11 h 01 min 44 s
